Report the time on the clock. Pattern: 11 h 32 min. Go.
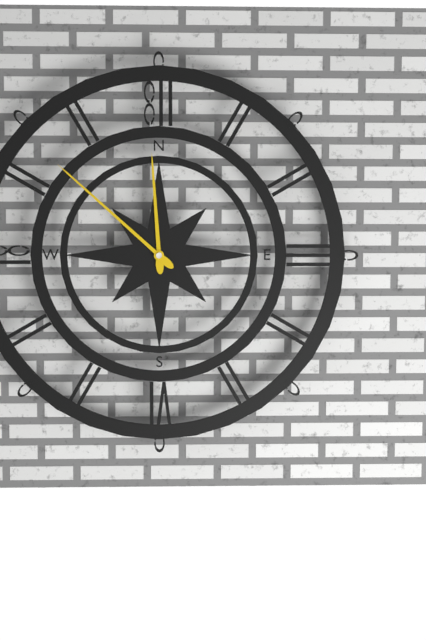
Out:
11 h 52 min
